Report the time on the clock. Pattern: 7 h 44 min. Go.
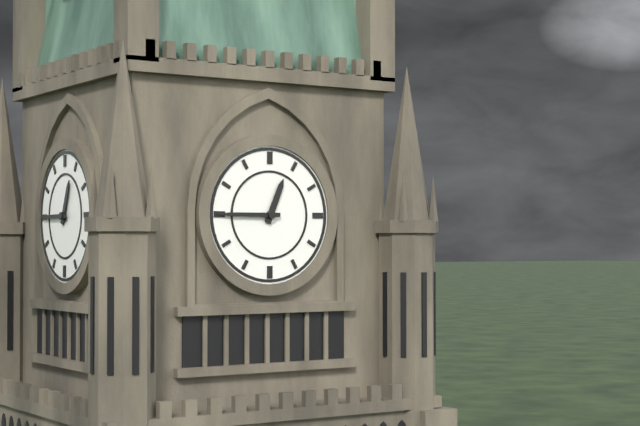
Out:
12 h 45 min
